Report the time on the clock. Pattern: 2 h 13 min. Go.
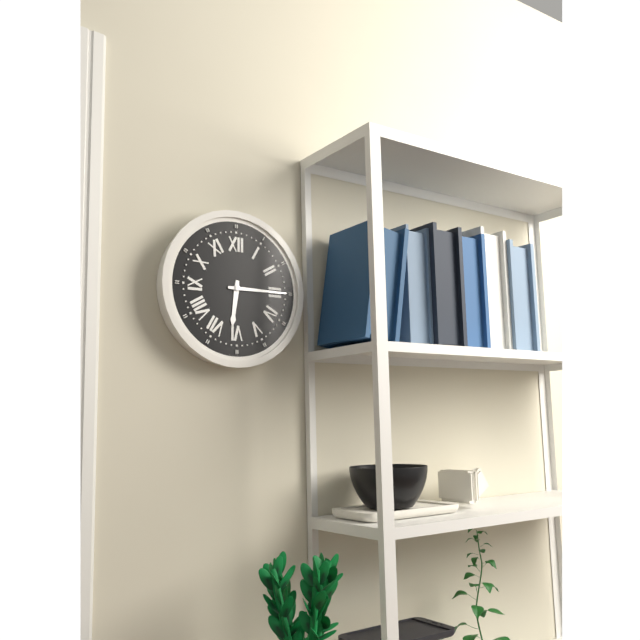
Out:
6 h 15 min
